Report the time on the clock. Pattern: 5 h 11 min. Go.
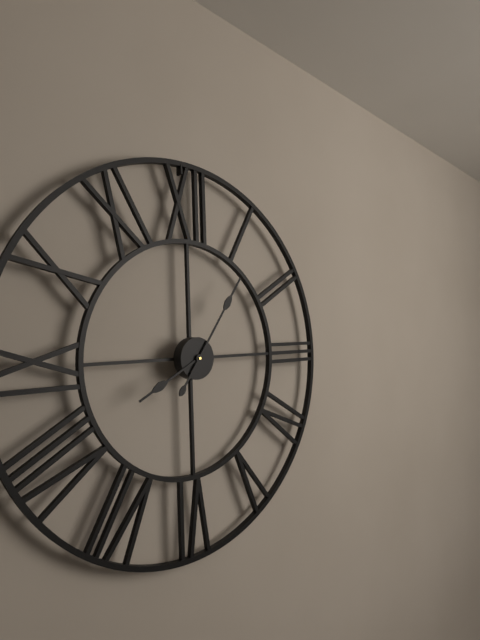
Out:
8 h 06 min
